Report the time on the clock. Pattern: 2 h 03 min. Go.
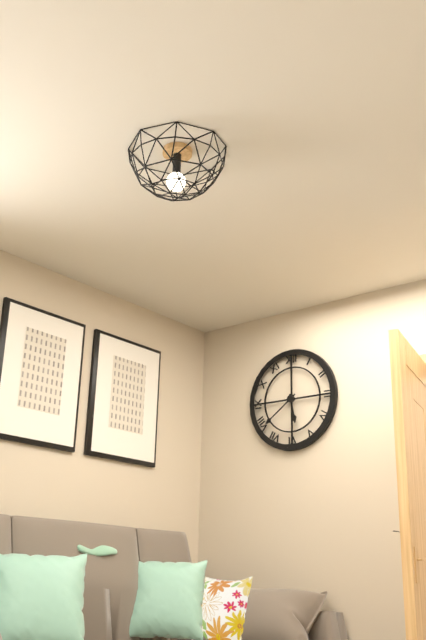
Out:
5 h 39 min
